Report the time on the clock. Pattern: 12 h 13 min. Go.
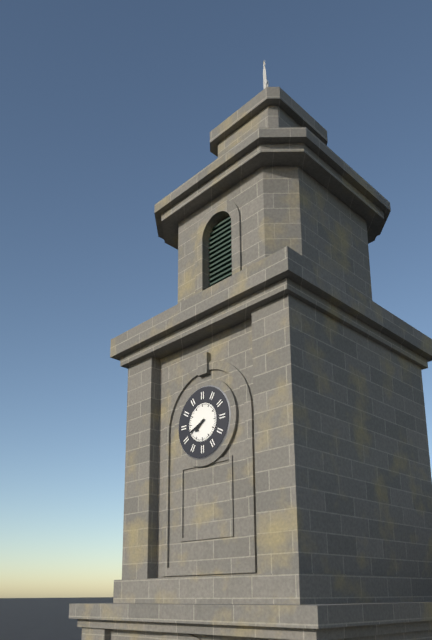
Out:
7 h 41 min
